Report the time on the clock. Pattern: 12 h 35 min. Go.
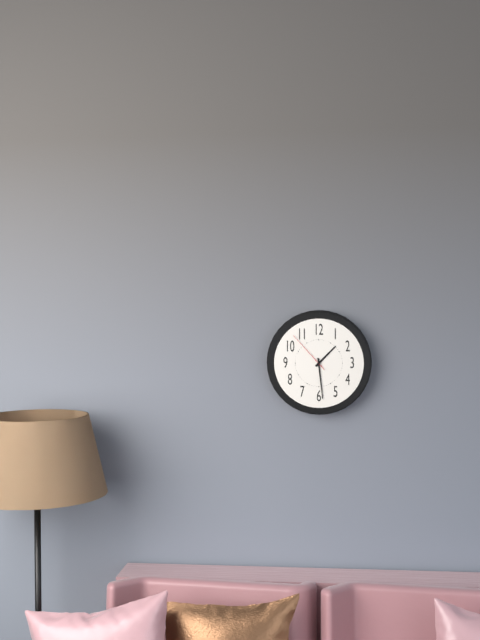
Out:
1 h 29 min
